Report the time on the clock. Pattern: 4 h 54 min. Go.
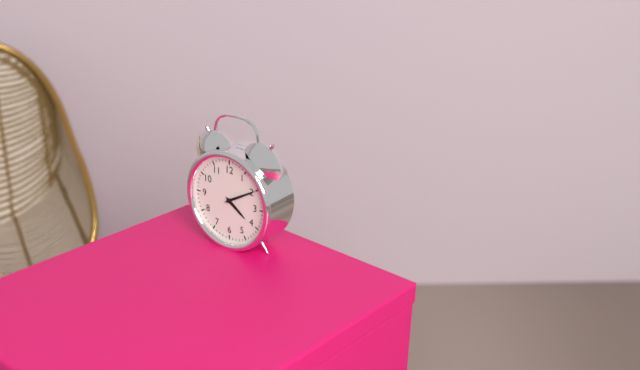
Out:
4 h 10 min
